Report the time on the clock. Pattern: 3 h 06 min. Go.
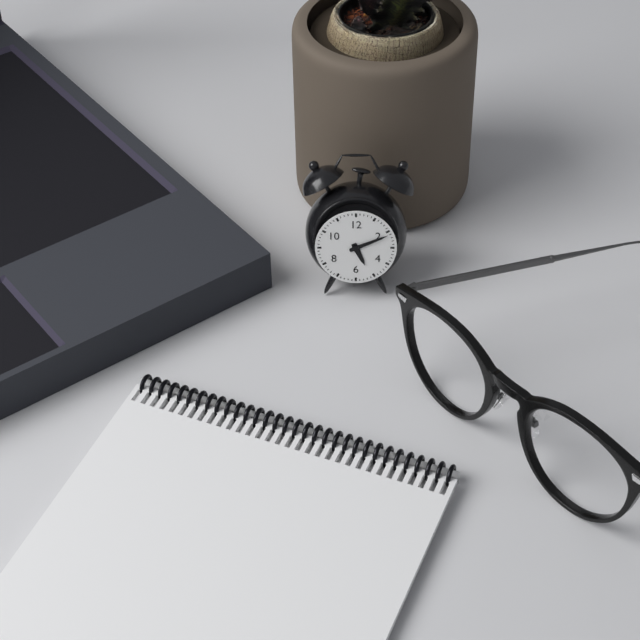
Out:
5 h 11 min
